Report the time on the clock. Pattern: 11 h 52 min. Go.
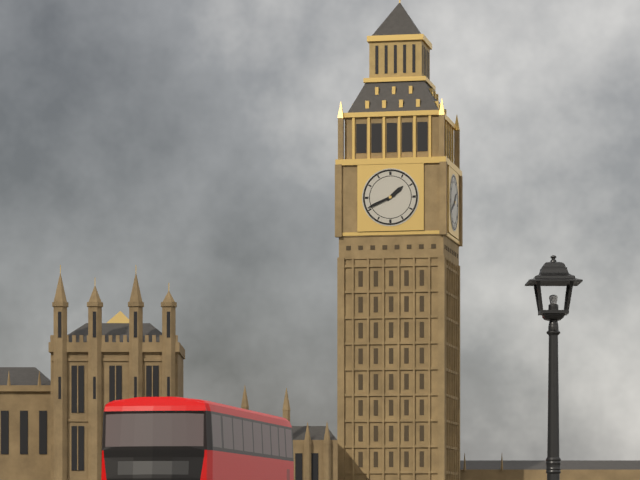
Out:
1 h 41 min
